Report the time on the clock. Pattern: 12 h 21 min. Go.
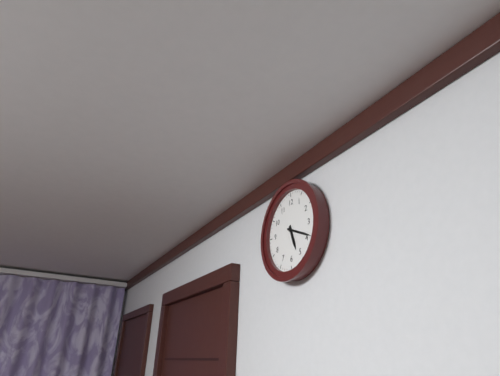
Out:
5 h 19 min
